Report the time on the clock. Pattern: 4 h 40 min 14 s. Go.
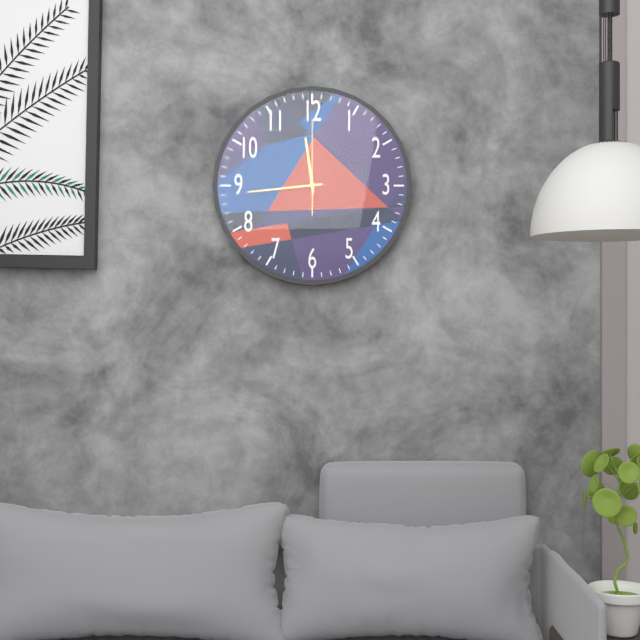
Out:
11 h 44 min 00 s
